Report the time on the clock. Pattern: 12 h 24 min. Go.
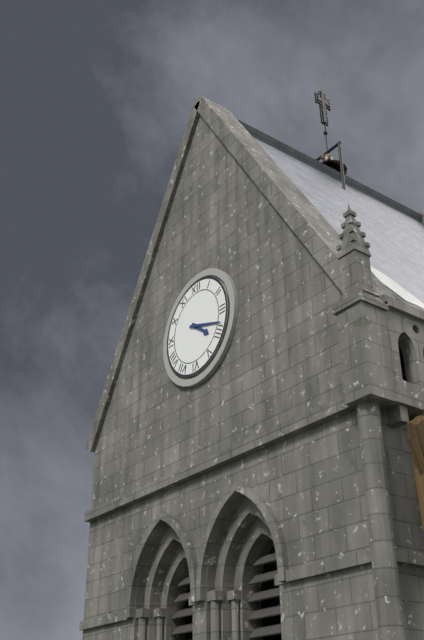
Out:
4 h 18 min
